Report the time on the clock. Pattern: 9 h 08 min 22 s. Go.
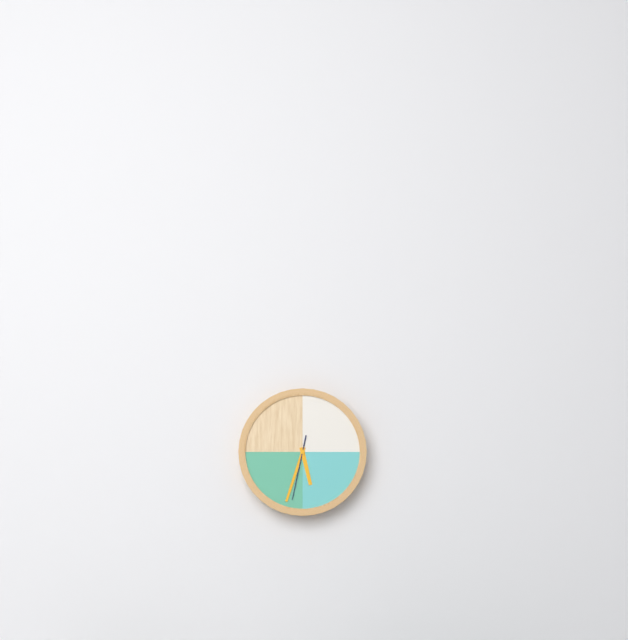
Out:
5 h 33 min 32 s
